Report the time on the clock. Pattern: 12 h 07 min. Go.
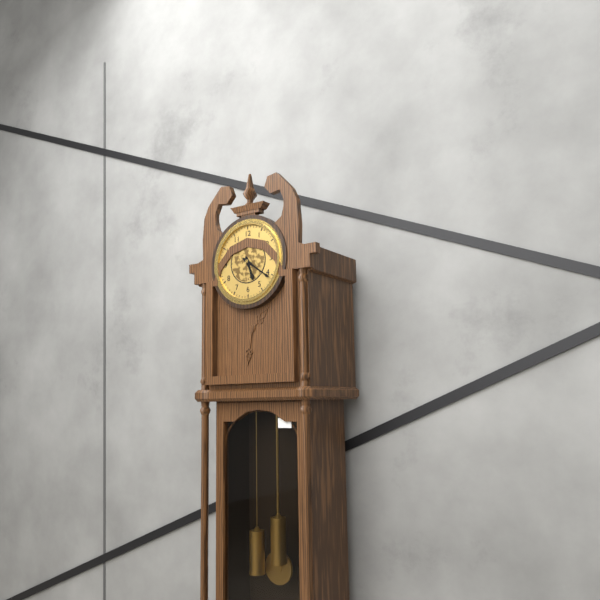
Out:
5 h 21 min
